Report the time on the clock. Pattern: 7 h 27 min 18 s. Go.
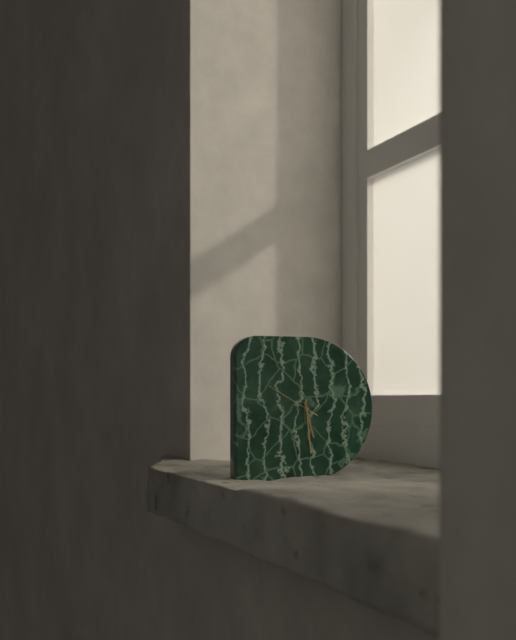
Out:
5 h 29 min 50 s
